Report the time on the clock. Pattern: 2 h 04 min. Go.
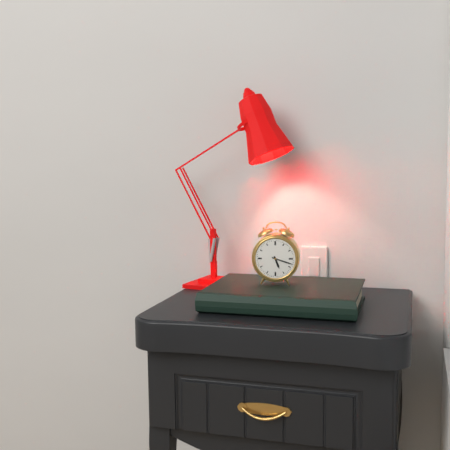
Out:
5 h 18 min
